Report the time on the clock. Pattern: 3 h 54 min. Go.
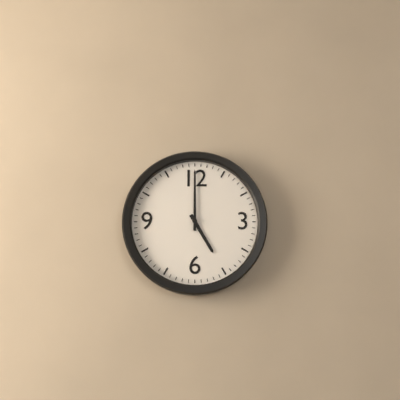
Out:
5 h 00 min
